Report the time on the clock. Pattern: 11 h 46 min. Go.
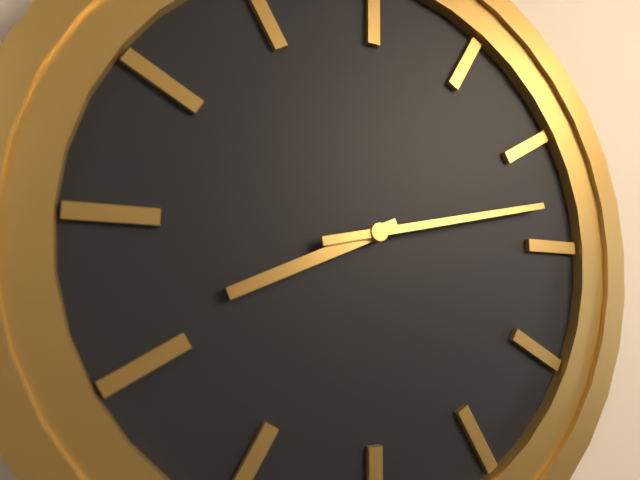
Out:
8 h 13 min
